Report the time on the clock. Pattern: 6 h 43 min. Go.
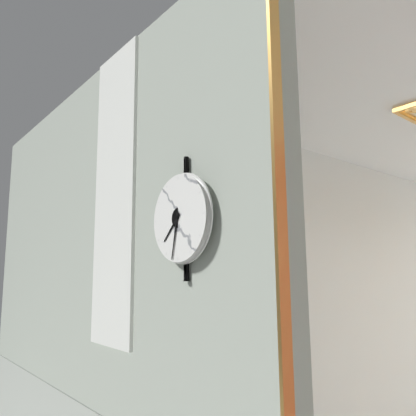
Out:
7 h 32 min
